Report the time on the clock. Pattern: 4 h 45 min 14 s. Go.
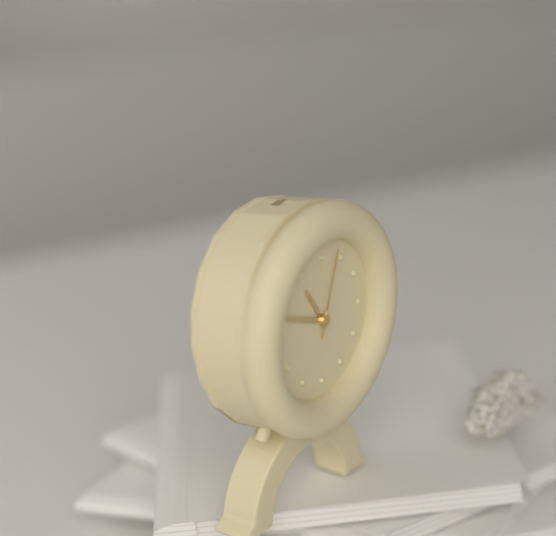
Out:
10 h 48 min 03 s
